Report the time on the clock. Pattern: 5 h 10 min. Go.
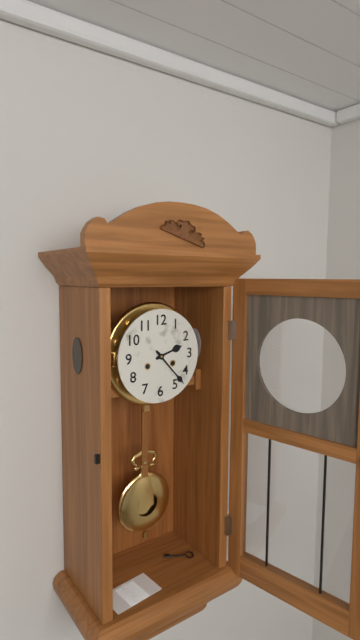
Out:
2 h 23 min
